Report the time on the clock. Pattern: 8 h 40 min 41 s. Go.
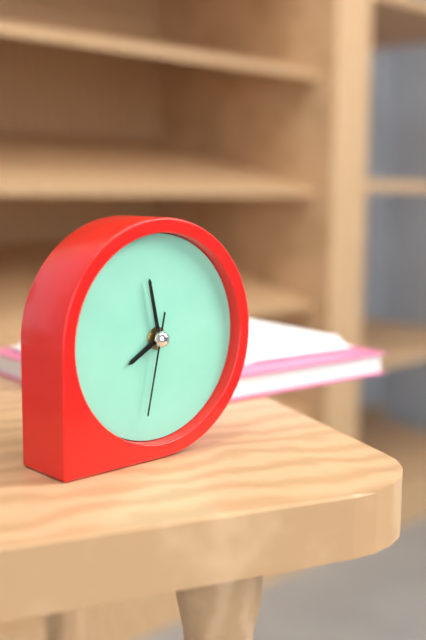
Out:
7 h 58 min 32 s
